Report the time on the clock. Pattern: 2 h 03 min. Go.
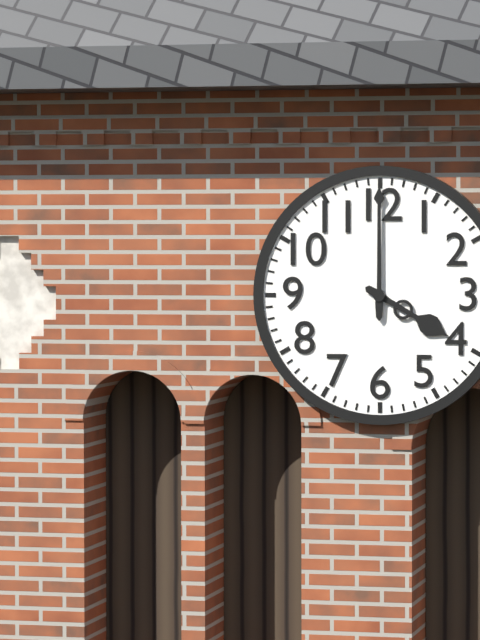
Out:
4 h 00 min
